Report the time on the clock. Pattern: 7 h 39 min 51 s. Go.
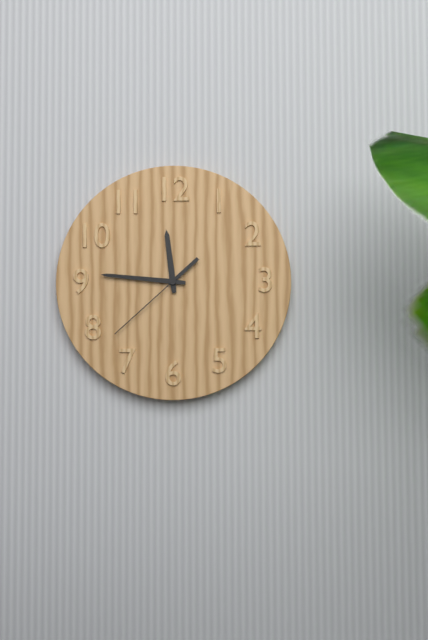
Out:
11 h 46 min 38 s
